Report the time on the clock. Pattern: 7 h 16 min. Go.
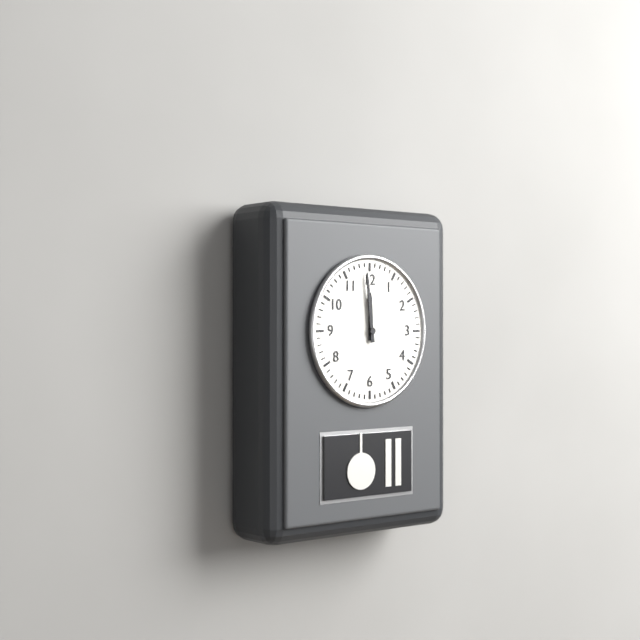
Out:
11 h 59 min
